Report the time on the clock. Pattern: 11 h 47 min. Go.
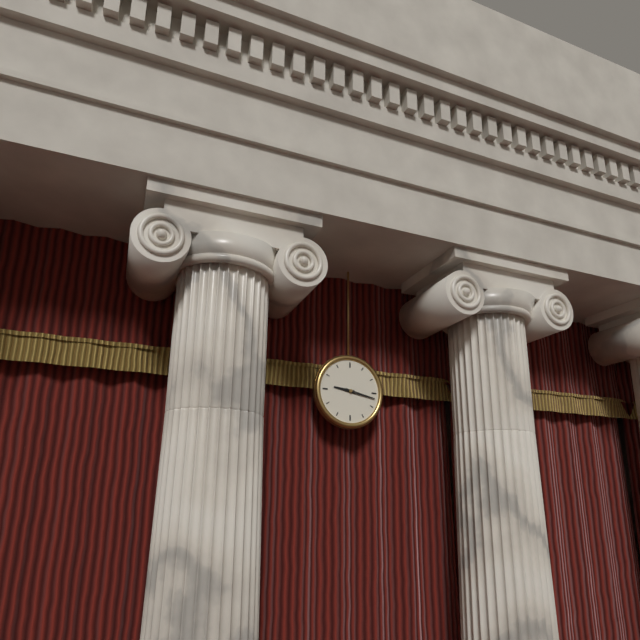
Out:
9 h 17 min
